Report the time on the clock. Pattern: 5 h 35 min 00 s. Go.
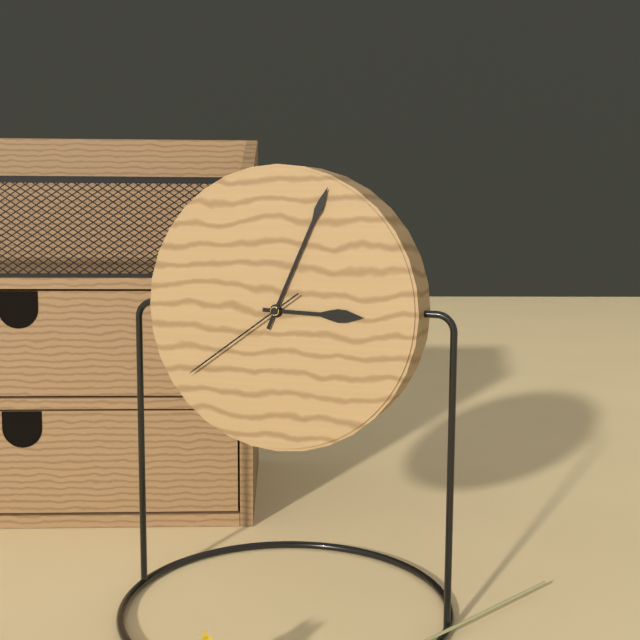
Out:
3 h 04 min 39 s
